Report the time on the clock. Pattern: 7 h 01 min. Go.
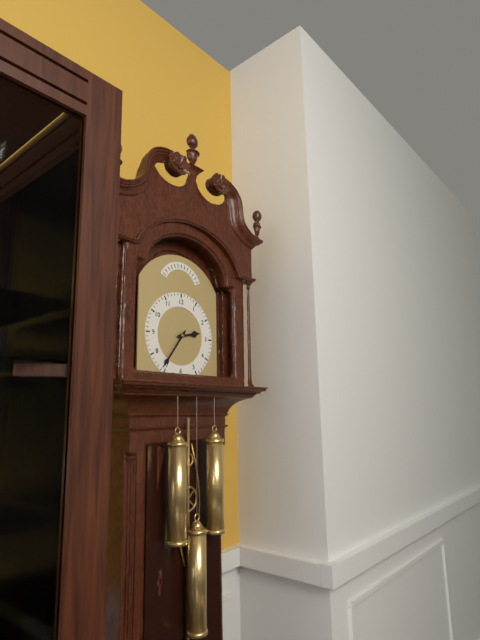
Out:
2 h 36 min
